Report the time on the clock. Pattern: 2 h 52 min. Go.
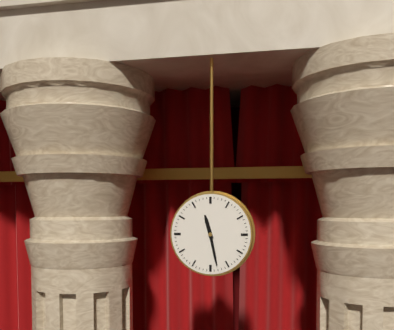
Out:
11 h 28 min
